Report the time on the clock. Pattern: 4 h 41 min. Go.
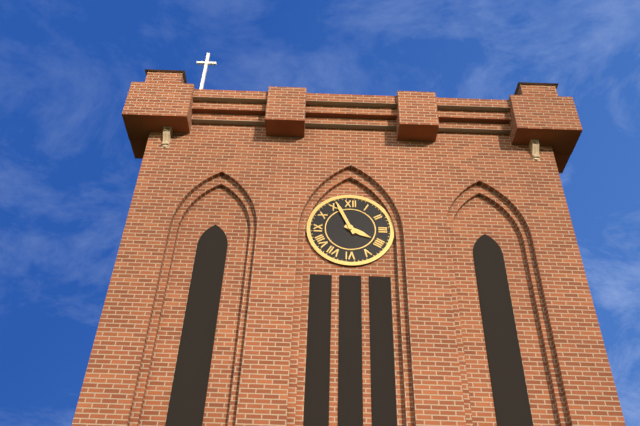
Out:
3 h 56 min
